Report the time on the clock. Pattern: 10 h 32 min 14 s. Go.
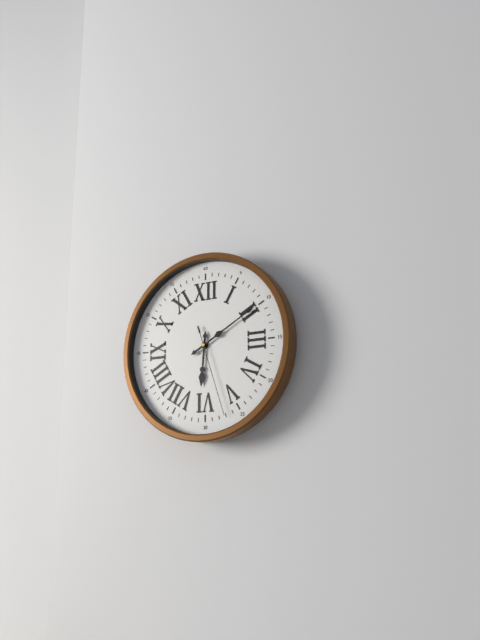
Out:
6 h 10 min 27 s
